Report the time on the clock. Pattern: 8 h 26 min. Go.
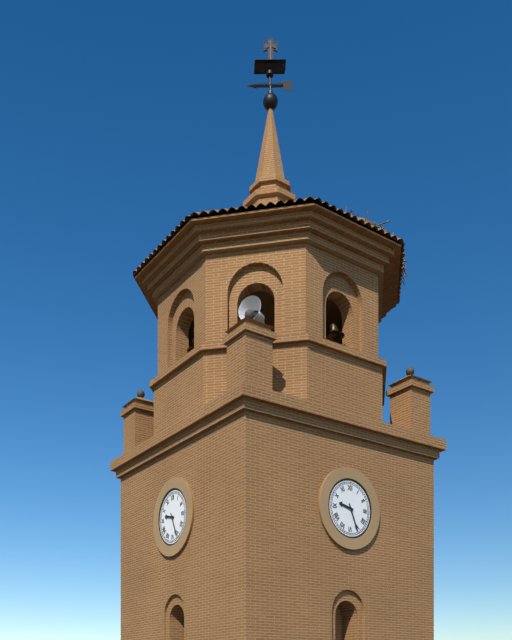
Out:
9 h 26 min
